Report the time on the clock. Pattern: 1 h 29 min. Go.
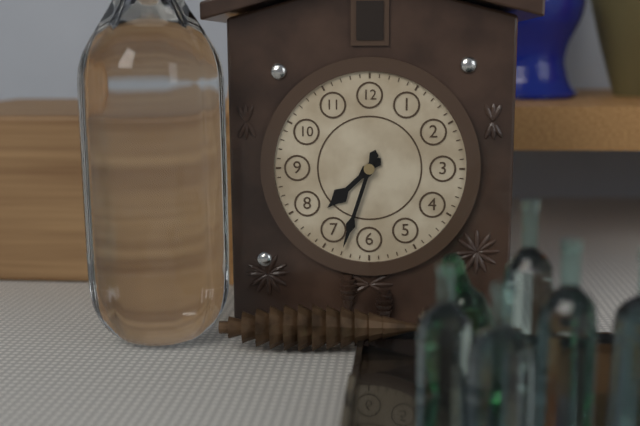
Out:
7 h 33 min
